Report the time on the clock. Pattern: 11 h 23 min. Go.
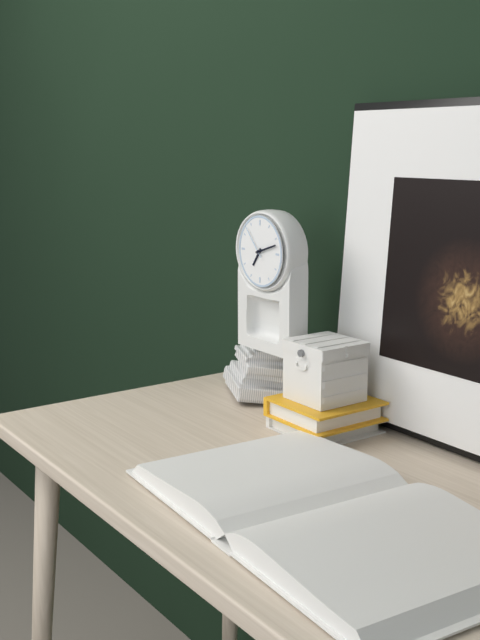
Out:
7 h 12 min
